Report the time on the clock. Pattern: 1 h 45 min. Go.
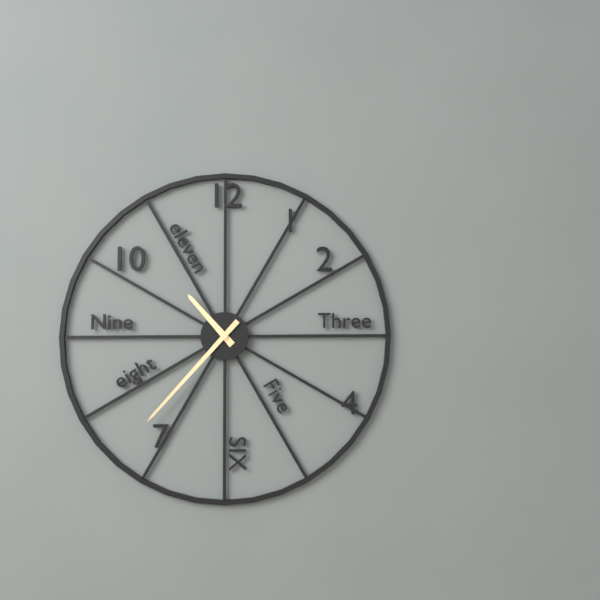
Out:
10 h 37 min
